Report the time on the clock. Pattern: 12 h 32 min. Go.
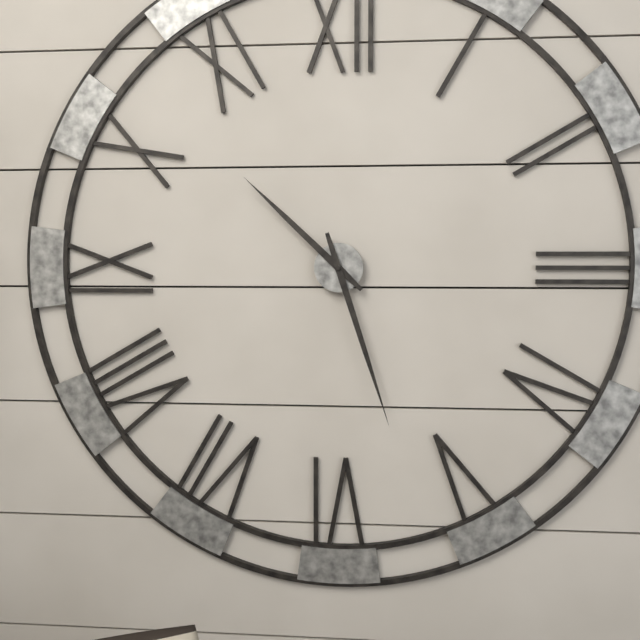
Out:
10 h 27 min
